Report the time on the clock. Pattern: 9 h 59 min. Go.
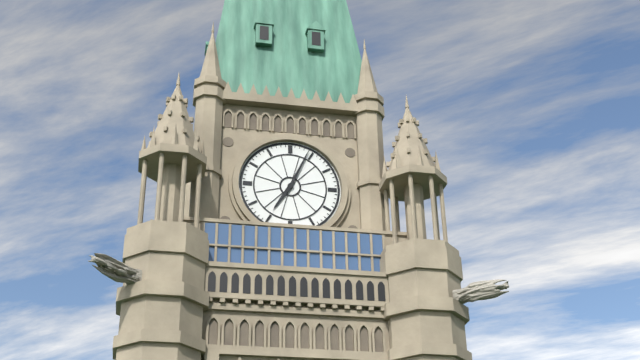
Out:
7 h 04 min
